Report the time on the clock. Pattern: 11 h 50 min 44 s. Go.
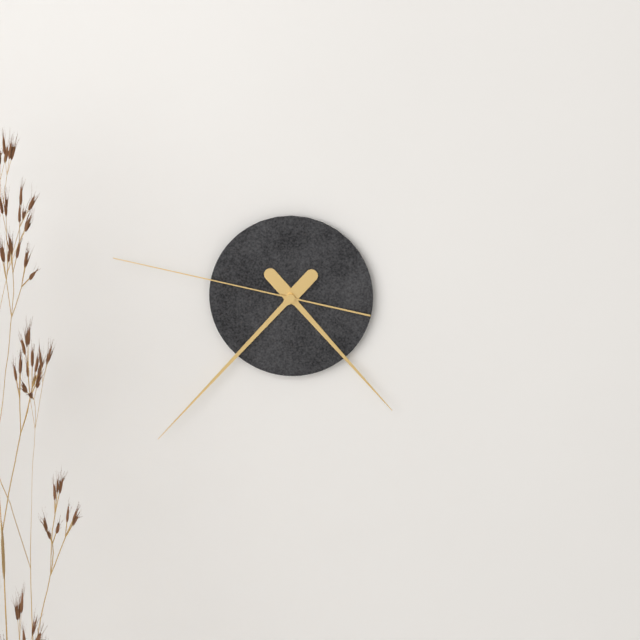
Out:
4 h 37 min 47 s
